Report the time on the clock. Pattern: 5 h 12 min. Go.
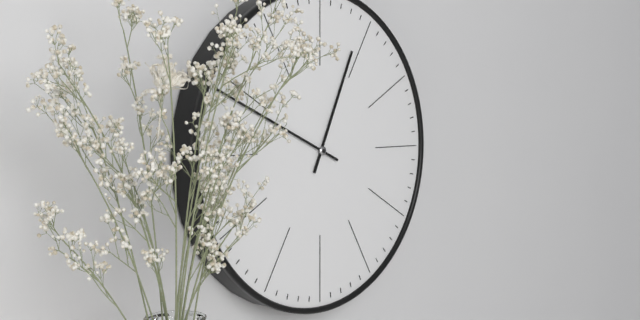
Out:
12 h 49 min
